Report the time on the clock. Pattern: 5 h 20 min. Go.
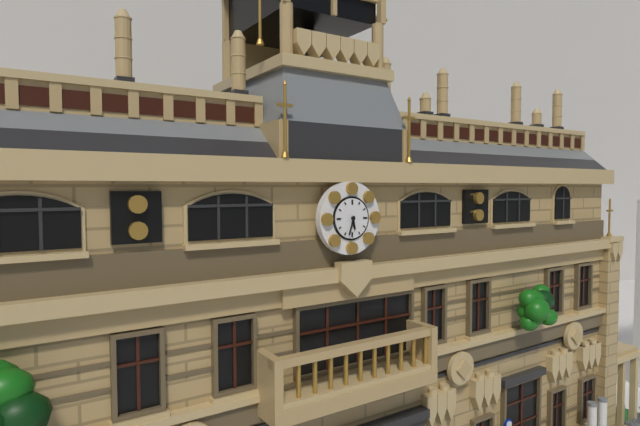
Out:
5 h 33 min
